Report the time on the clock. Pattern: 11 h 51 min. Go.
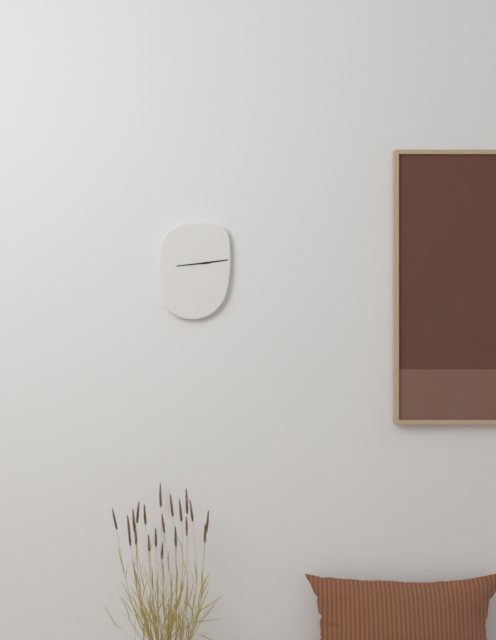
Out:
2 h 44 min
